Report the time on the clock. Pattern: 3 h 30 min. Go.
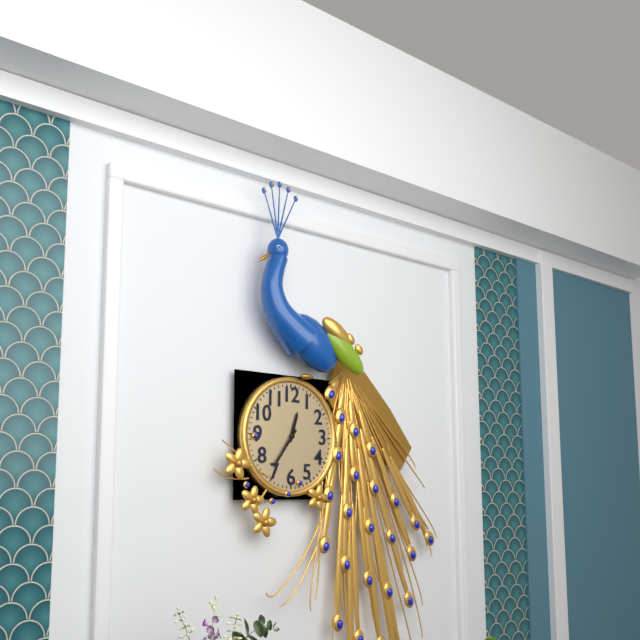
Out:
12 h 36 min
